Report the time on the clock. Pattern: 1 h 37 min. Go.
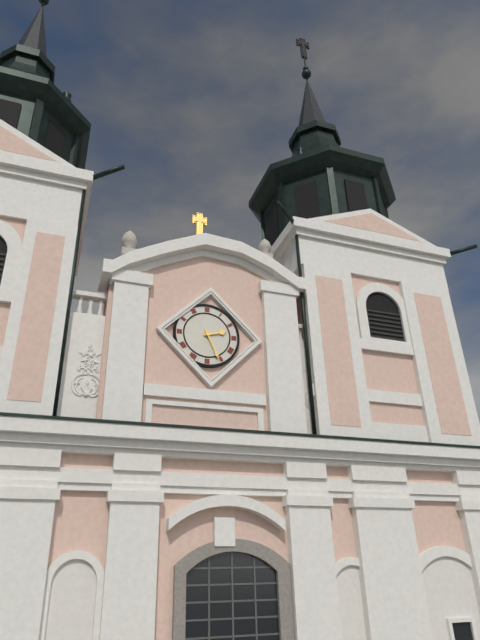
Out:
2 h 26 min
